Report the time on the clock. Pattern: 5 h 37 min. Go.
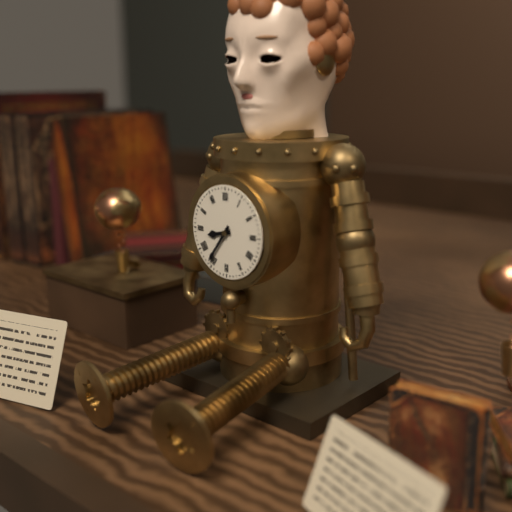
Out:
8 h 36 min
